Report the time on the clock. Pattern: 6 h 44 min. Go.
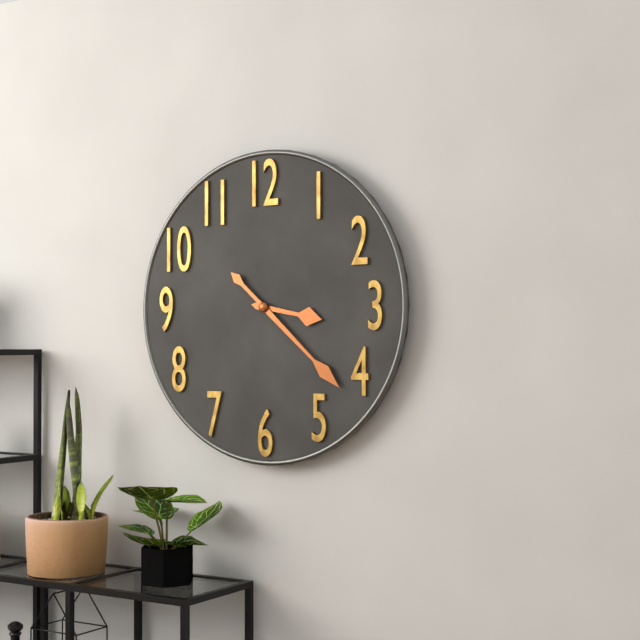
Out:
3 h 22 min
